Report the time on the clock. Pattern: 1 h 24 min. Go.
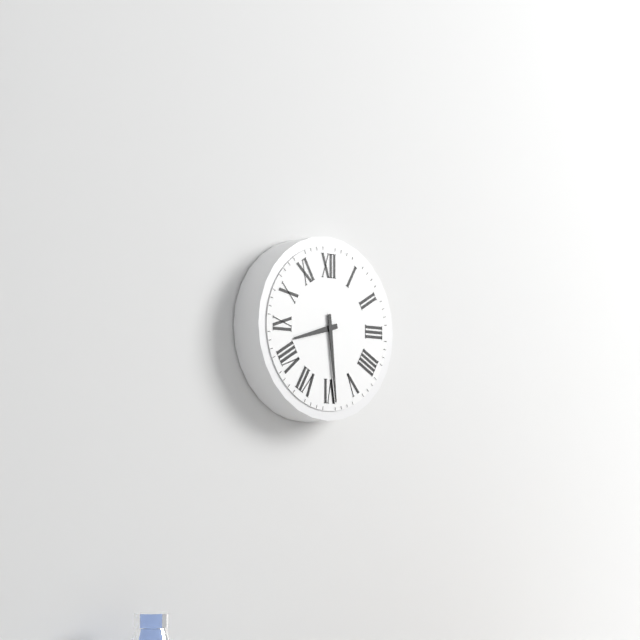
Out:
8 h 29 min
